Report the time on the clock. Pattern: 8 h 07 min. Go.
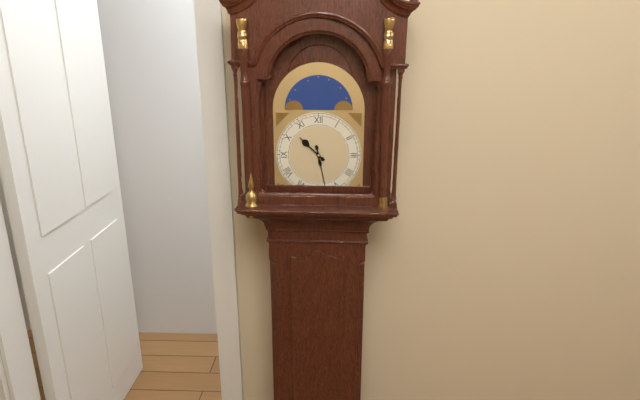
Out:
10 h 28 min
